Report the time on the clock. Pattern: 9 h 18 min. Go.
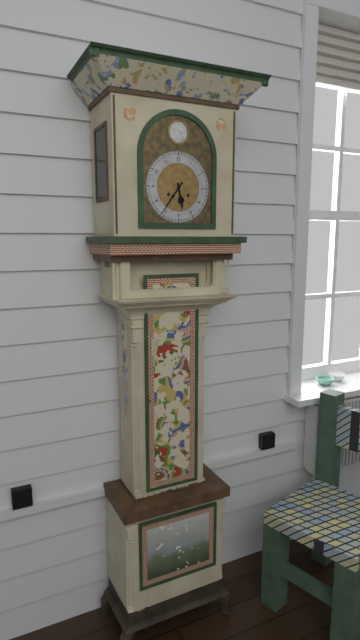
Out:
5 h 36 min
